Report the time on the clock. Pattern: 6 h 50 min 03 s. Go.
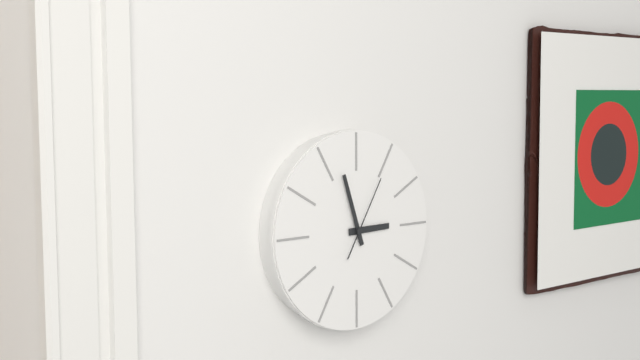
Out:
2 h 57 min 05 s
